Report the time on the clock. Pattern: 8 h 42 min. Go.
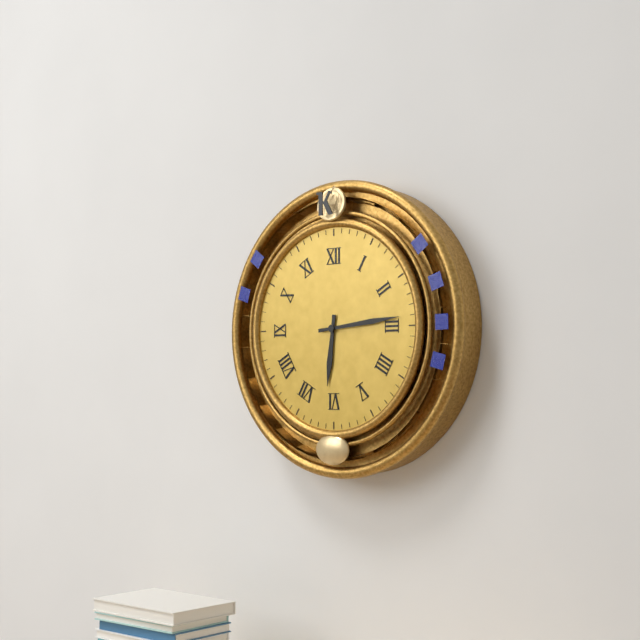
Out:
6 h 14 min
